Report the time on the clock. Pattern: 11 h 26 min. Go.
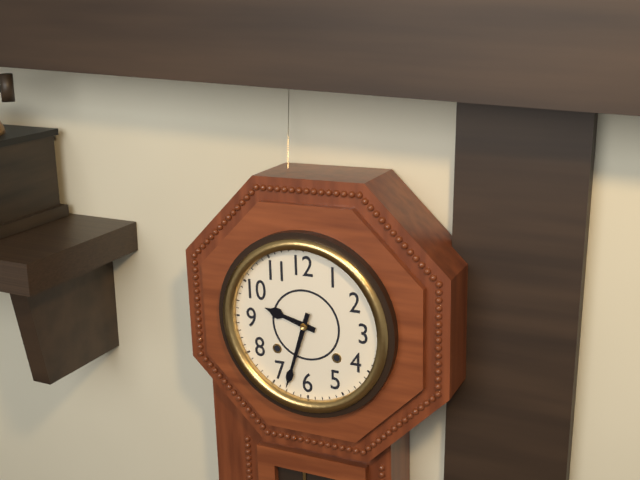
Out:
9 h 33 min
